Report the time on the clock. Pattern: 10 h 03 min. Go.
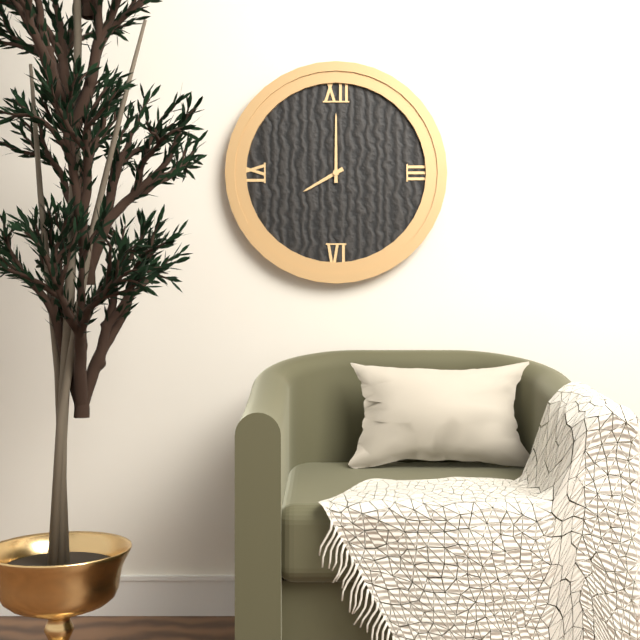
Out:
8 h 00 min
